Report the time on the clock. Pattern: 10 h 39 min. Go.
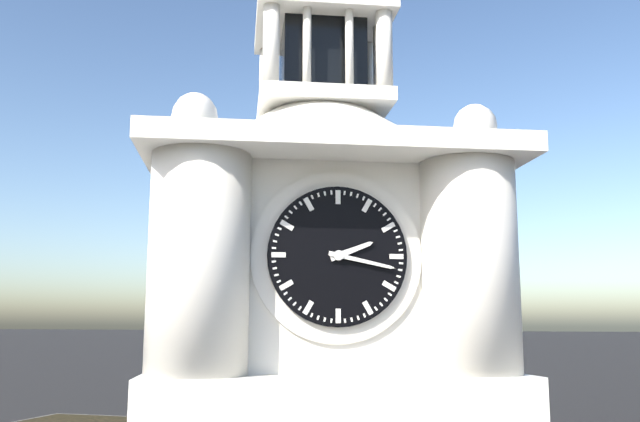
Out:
2 h 17 min
